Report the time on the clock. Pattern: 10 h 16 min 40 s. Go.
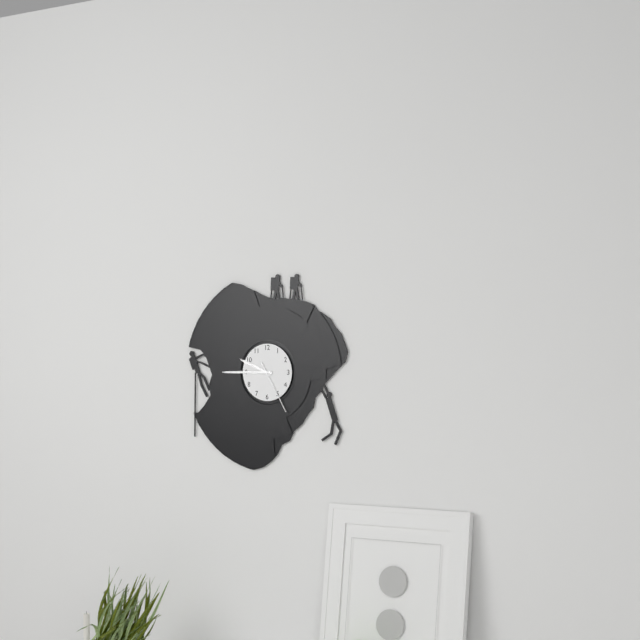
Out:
9 h 45 min 25 s
